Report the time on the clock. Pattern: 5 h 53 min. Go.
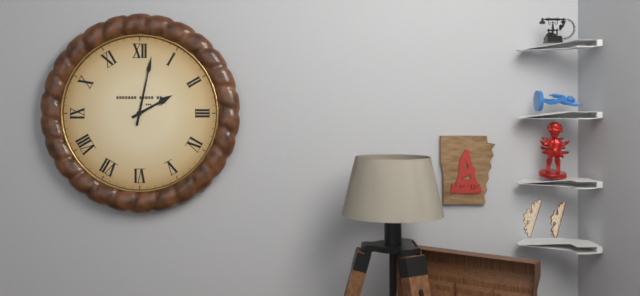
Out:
2 h 02 min
